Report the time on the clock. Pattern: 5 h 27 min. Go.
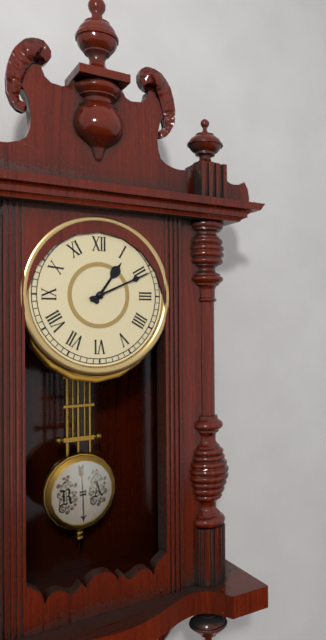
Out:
1 h 11 min
